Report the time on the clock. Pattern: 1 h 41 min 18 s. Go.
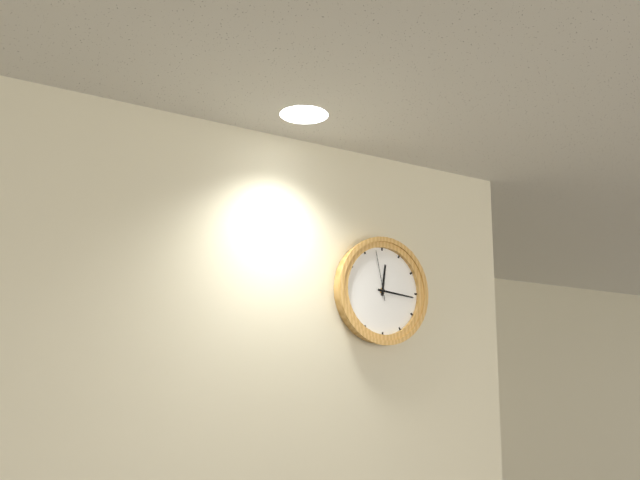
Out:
12 h 16 min 58 s
